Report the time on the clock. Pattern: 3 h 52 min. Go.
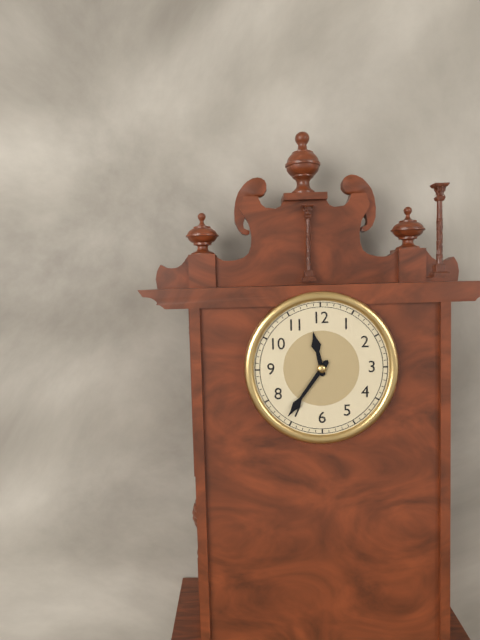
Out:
11 h 36 min
